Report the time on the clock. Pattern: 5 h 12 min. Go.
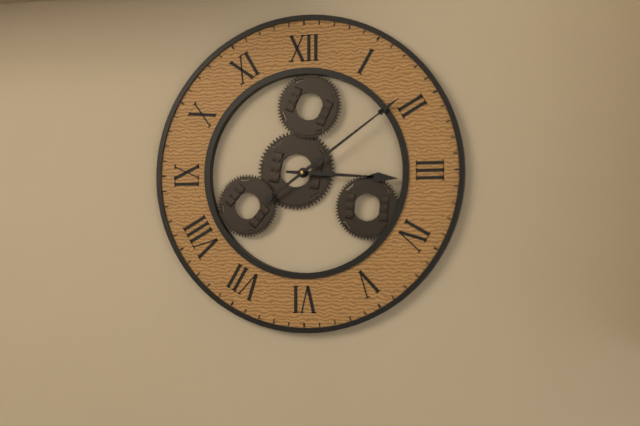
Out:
3 h 09 min
